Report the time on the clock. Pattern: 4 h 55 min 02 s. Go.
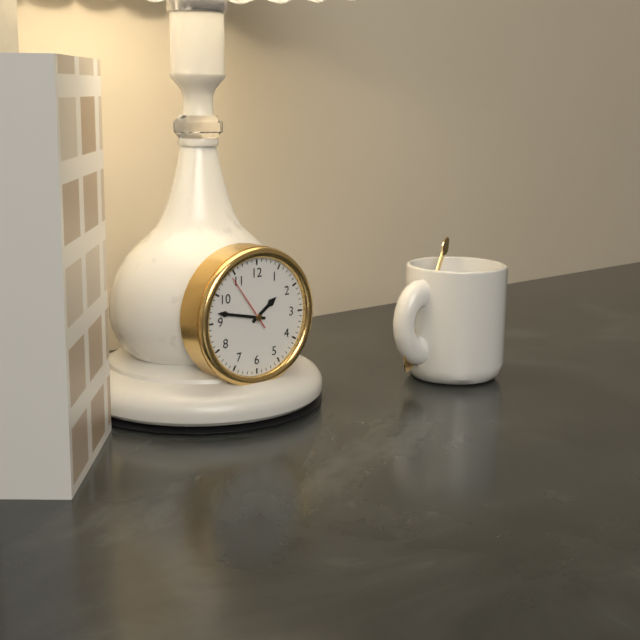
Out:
1 h 47 min 54 s
